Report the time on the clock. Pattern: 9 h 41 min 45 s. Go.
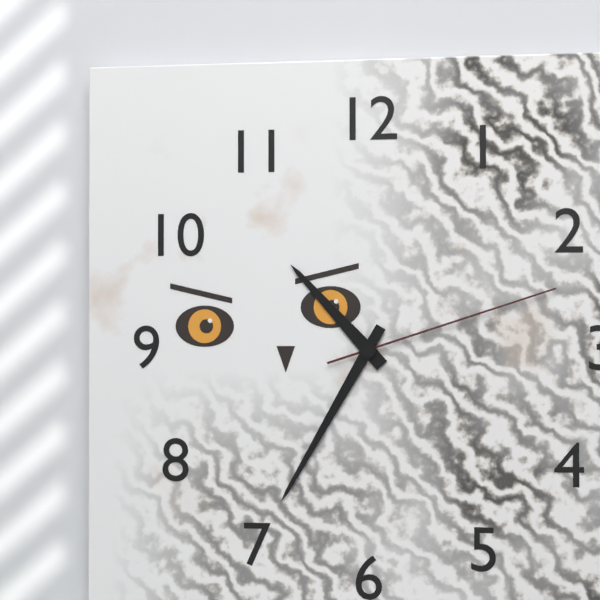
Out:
10 h 35 min 12 s
